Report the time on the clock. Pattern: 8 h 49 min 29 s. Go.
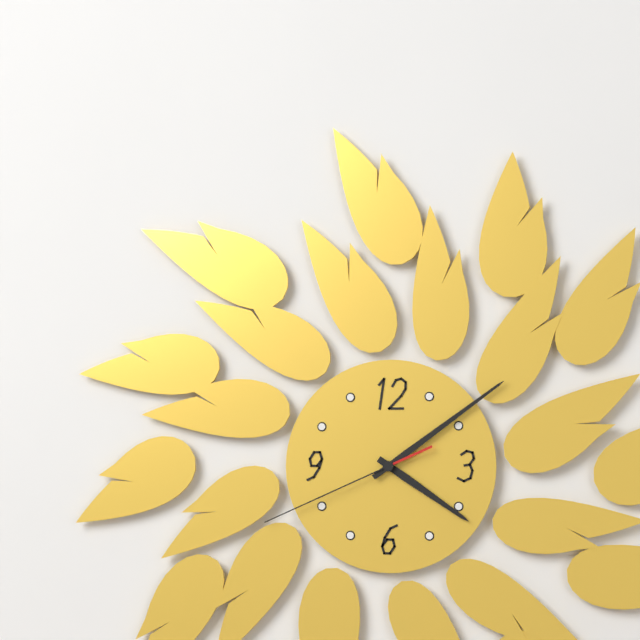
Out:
4 h 09 min 41 s
